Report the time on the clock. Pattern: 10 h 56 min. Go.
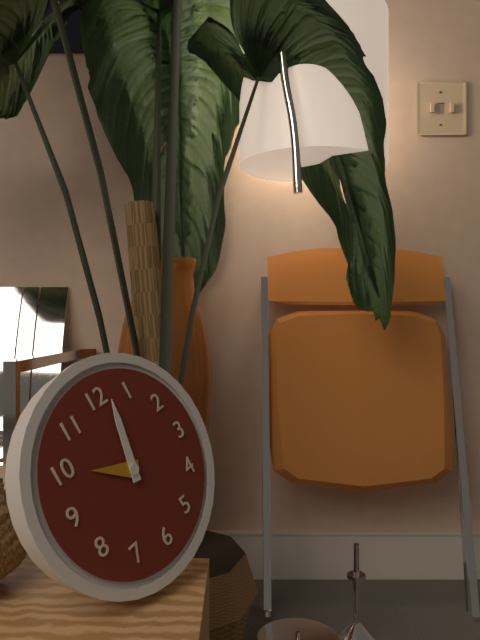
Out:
10 h 02 min
